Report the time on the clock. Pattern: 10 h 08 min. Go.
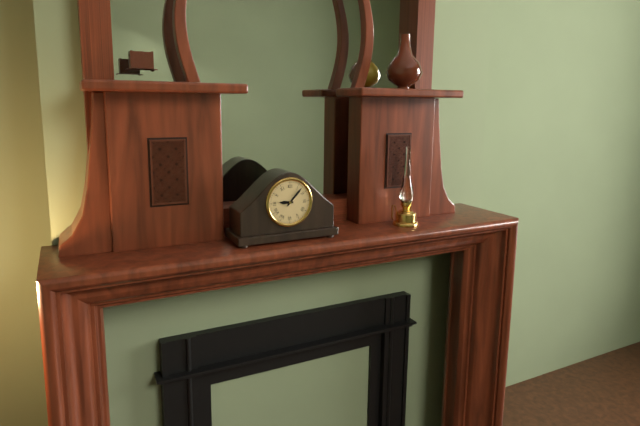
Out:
9 h 07 min
